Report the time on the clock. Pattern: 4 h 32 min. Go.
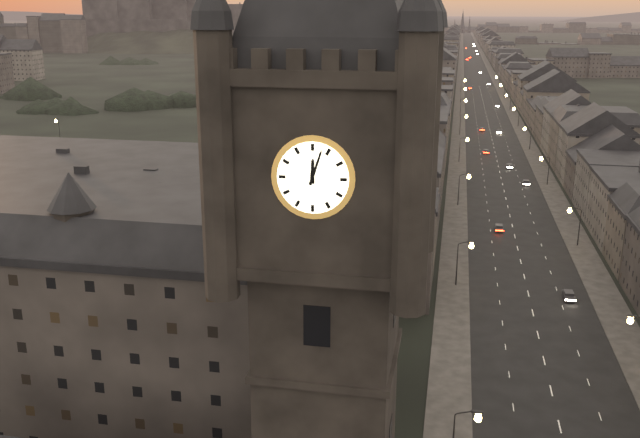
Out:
12 h 03 min
